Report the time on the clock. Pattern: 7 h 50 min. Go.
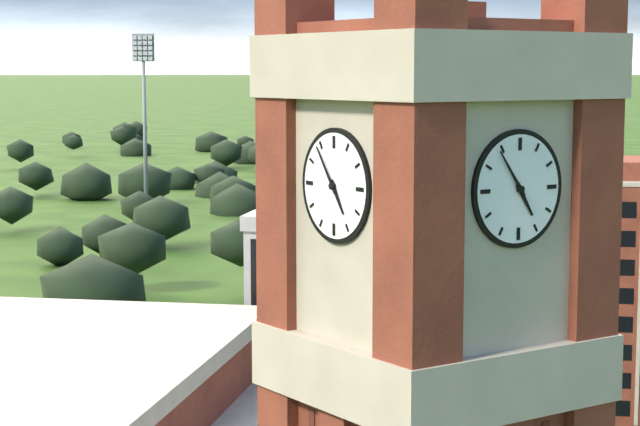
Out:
4 h 54 min
